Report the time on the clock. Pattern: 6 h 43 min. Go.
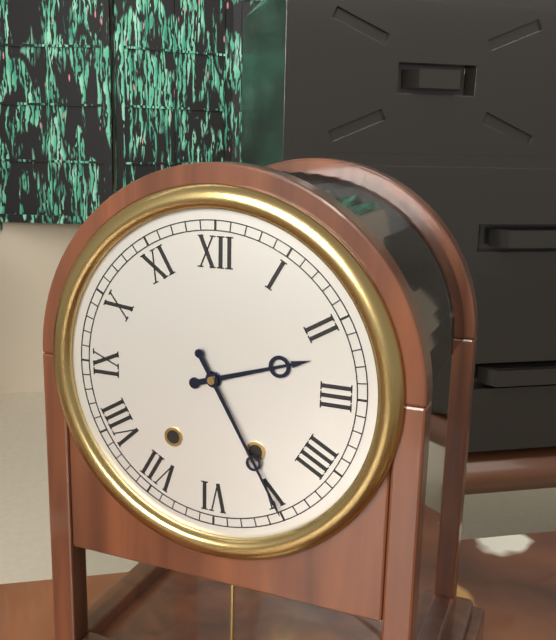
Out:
2 h 25 min
